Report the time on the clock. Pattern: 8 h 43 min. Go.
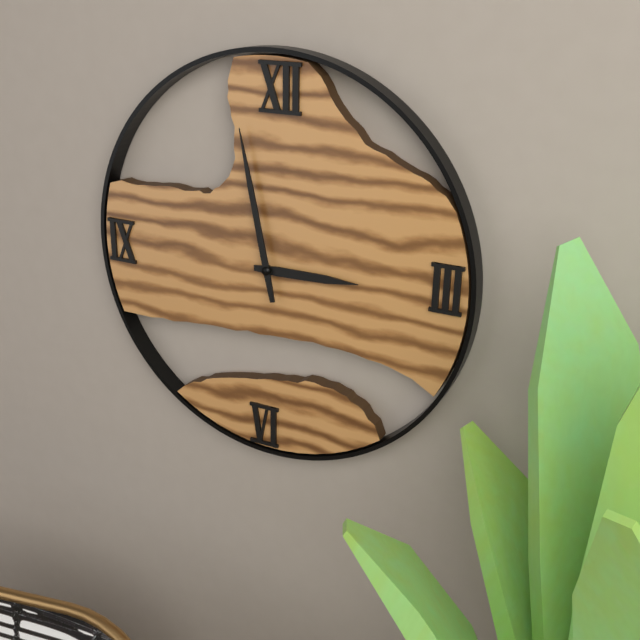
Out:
2 h 58 min
